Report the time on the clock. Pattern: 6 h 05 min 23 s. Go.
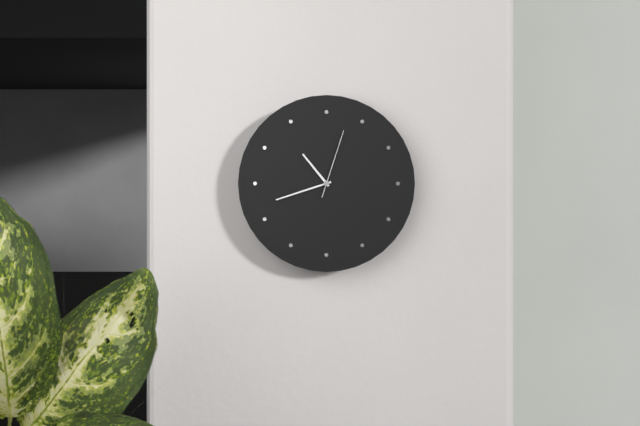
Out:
10 h 42 min 03 s
